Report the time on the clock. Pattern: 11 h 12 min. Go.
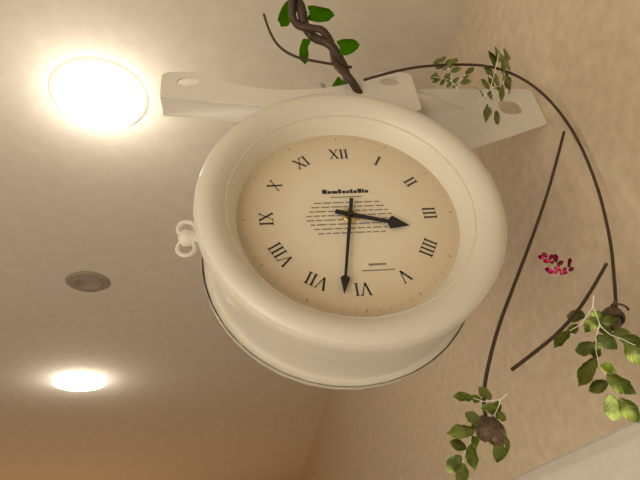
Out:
3 h 32 min
